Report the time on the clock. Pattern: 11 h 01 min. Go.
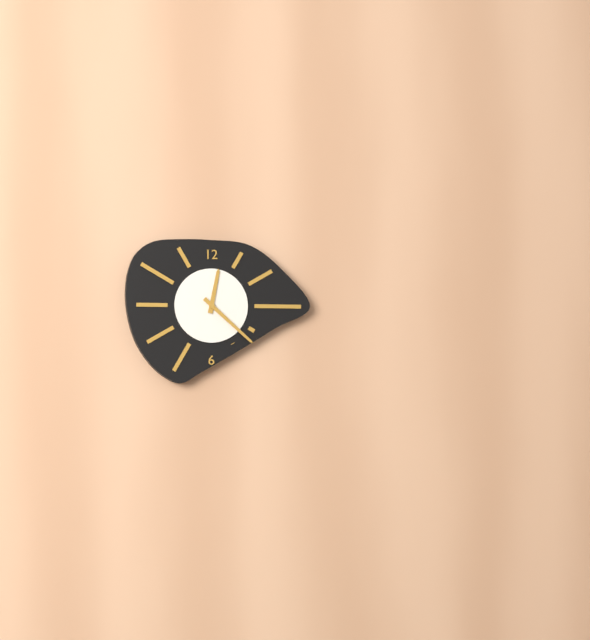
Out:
12 h 22 min
